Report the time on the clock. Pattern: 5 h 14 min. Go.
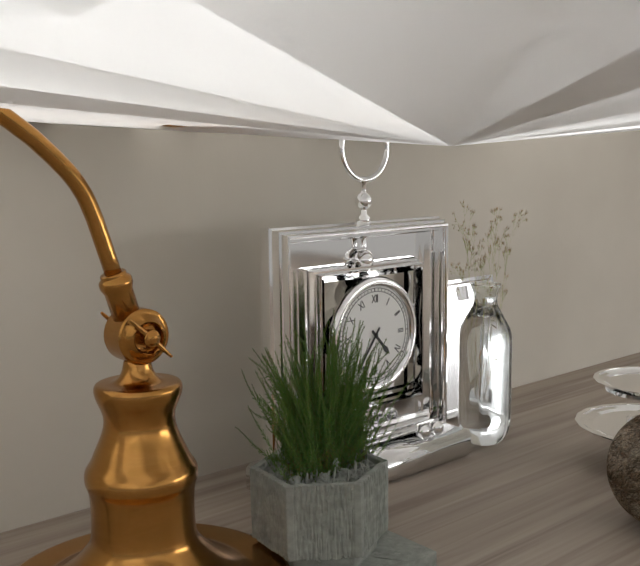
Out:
4 h 36 min
